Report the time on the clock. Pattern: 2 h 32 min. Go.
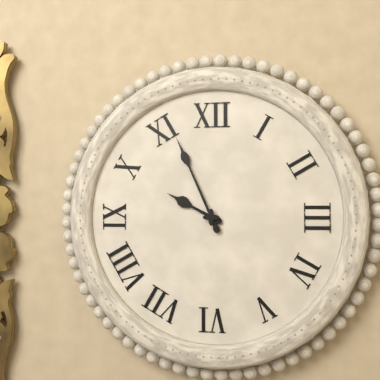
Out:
9 h 56 min
